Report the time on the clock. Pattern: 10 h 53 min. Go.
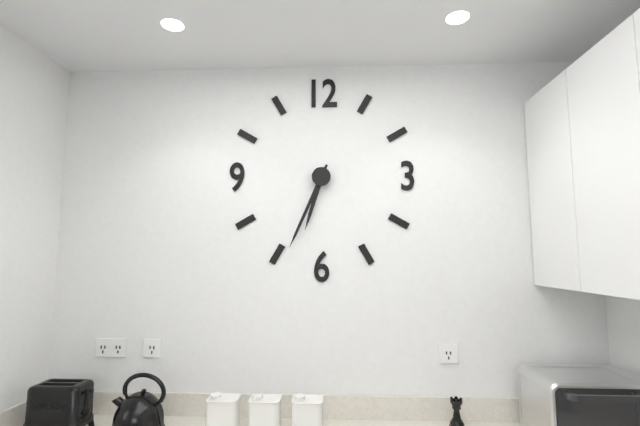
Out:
6 h 34 min
